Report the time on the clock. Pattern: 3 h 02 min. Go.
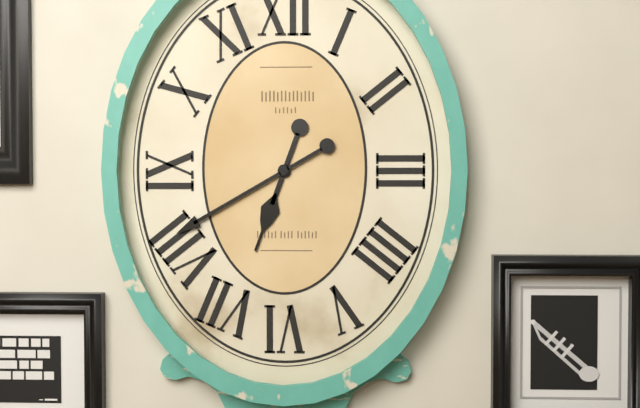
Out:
6 h 40 min
